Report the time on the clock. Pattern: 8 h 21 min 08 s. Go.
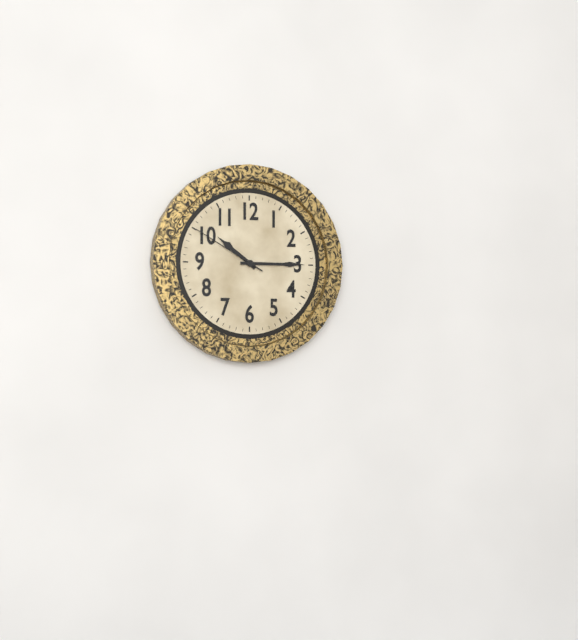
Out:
10 h 15 min 50 s
